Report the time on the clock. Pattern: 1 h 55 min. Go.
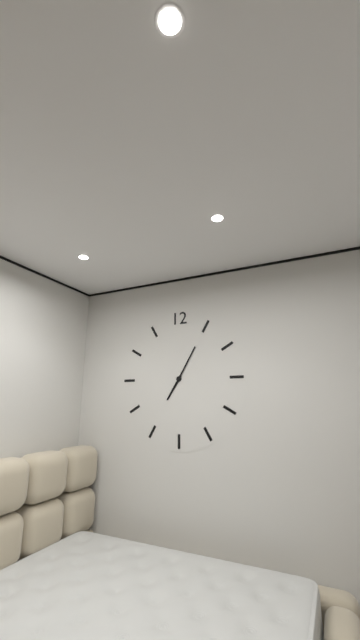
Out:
7 h 05 min
